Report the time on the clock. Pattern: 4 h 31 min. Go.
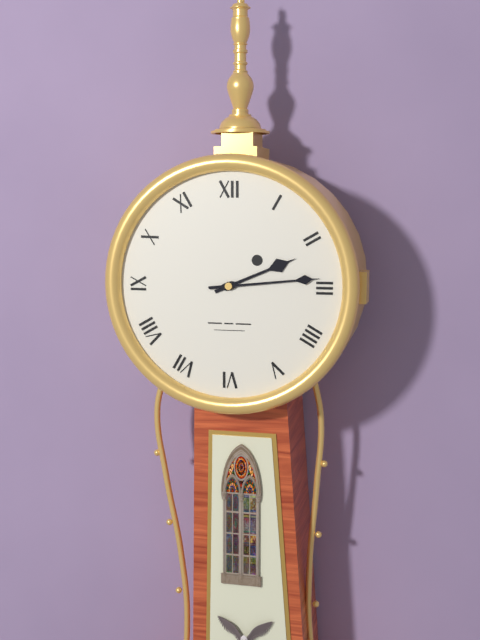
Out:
2 h 14 min
